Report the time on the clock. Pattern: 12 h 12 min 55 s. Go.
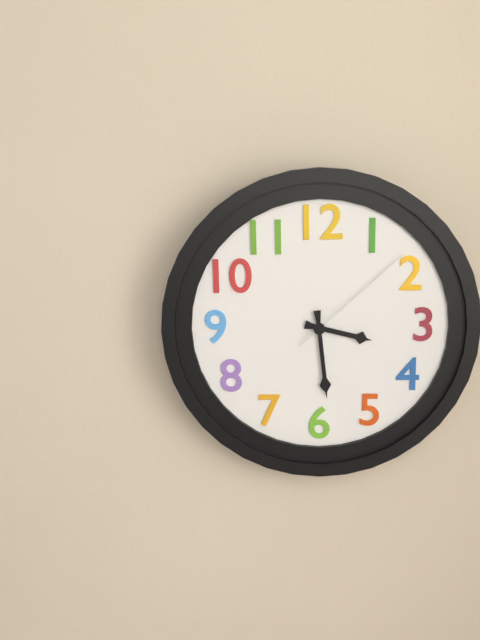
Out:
3 h 29 min 08 s
